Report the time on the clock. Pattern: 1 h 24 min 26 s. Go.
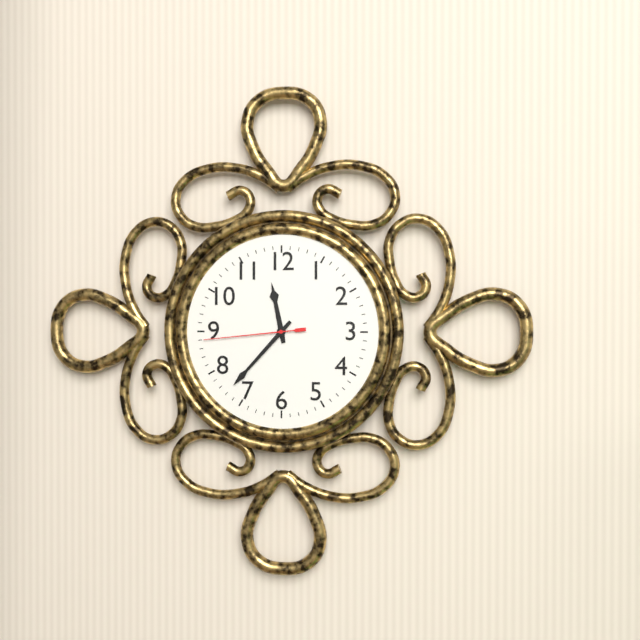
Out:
11 h 37 min 44 s
